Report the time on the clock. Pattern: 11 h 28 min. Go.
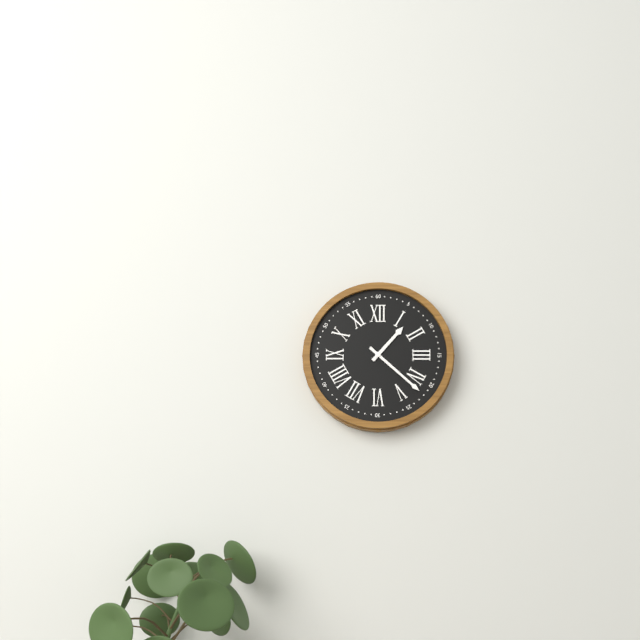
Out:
1 h 22 min
